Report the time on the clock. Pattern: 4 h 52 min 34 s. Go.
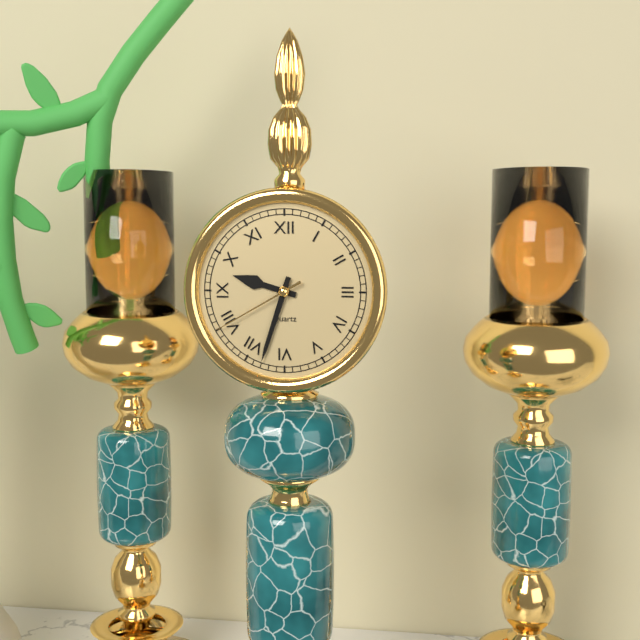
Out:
9 h 33 min 40 s
